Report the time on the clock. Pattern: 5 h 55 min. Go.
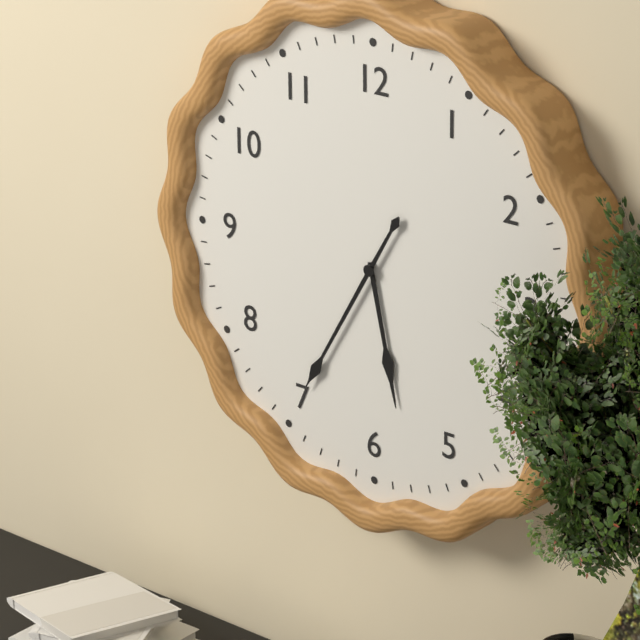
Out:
5 h 35 min
